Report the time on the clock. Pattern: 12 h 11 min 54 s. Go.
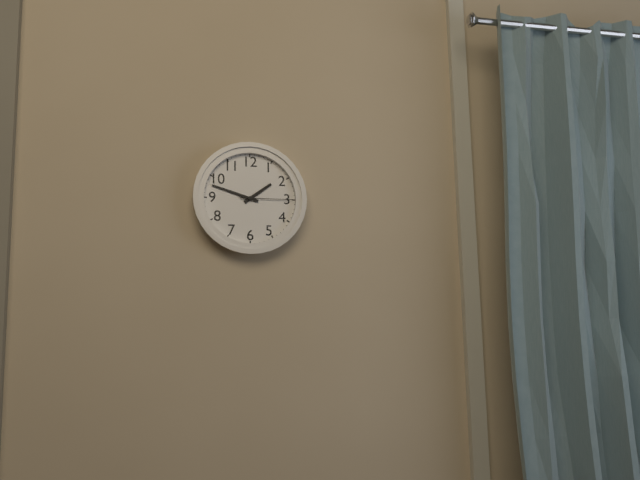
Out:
1 h 48 min 15 s
